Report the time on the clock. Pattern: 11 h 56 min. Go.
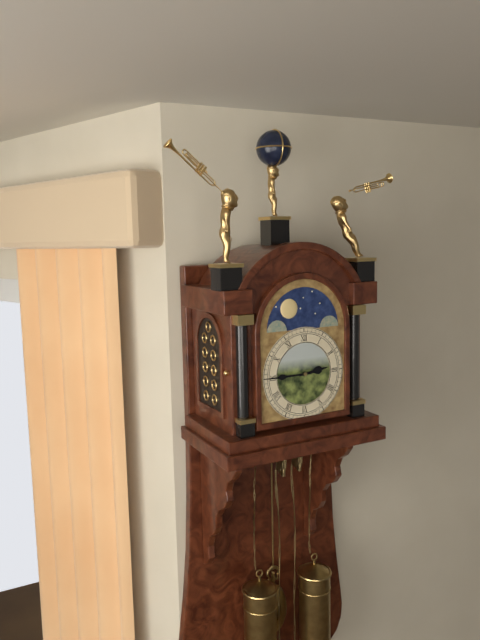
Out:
2 h 45 min
